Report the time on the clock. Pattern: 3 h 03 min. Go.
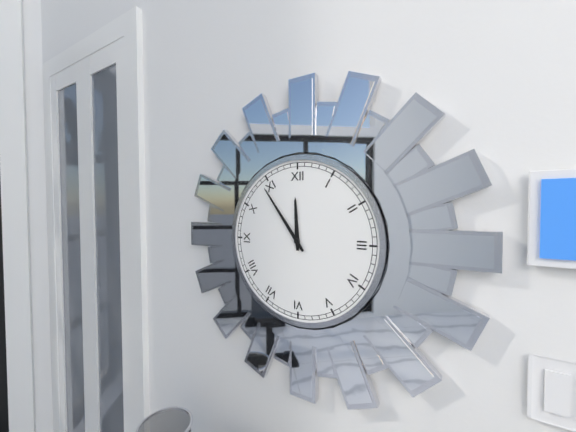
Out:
11 h 54 min
